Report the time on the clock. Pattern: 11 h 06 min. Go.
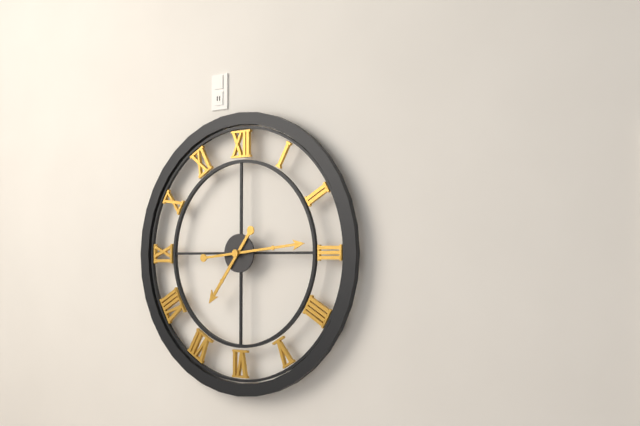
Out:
7 h 14 min
